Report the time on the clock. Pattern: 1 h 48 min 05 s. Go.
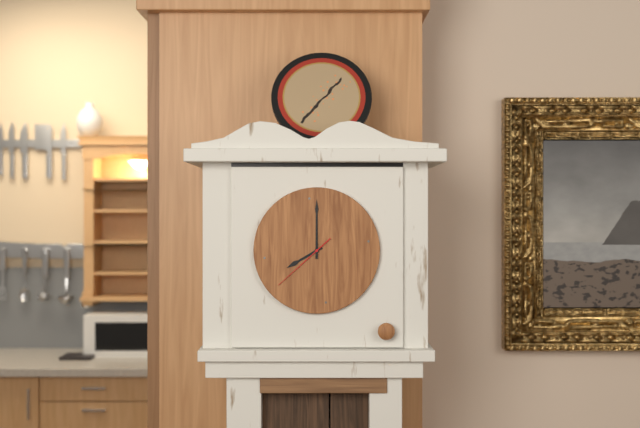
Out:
8 h 00 min 38 s
